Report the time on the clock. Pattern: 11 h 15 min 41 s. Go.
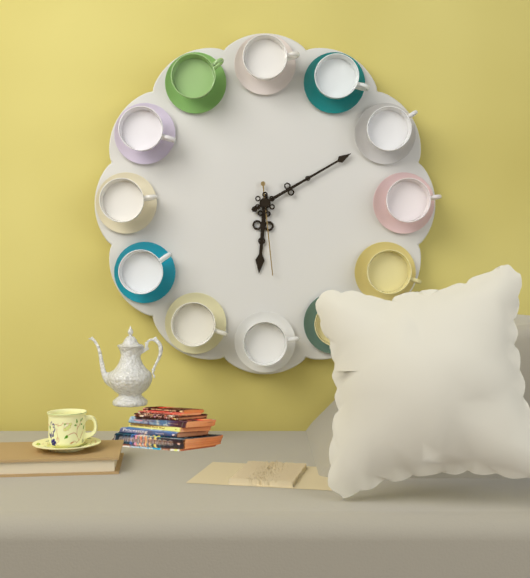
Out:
6 h 10 min 29 s
